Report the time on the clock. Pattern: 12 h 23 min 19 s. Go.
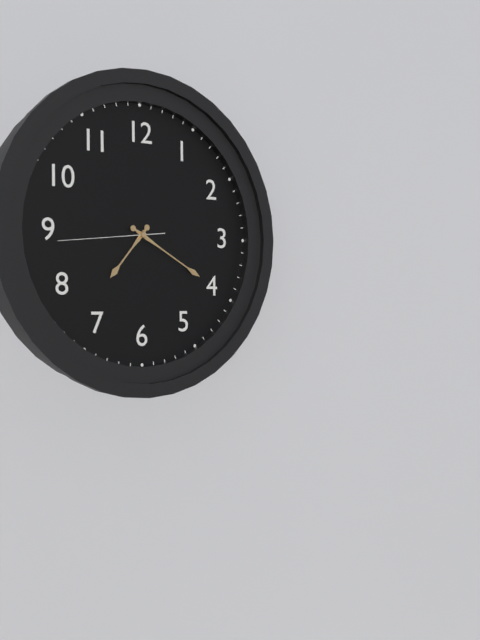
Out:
7 h 20 min 44 s
